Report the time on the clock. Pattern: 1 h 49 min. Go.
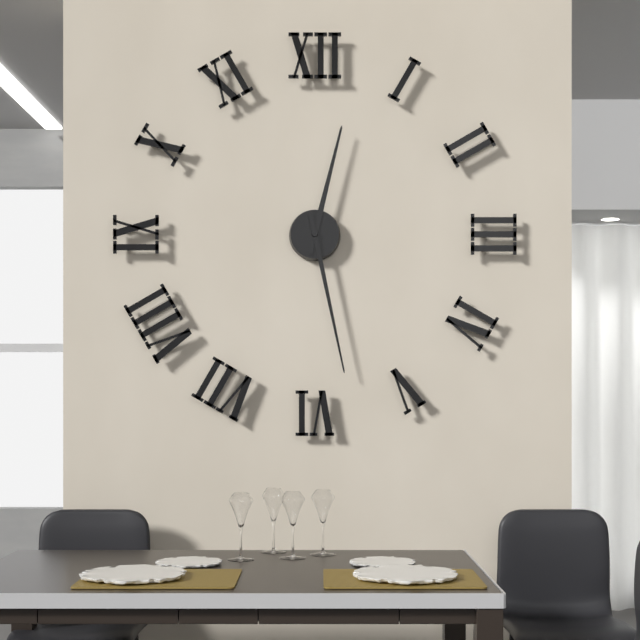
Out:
12 h 28 min
